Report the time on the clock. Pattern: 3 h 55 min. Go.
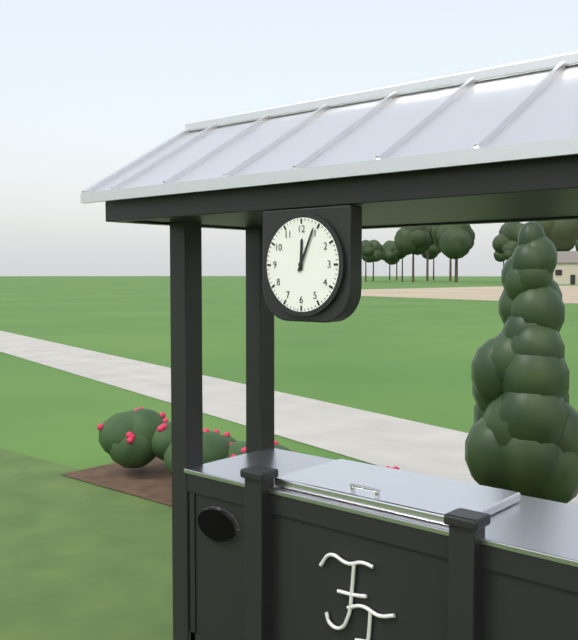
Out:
12 h 04 min
